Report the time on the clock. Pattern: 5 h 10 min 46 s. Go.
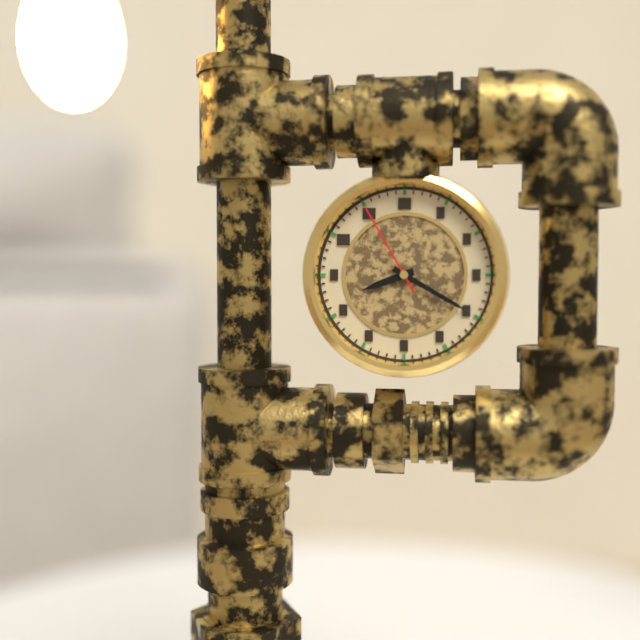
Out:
8 h 20 min 55 s
